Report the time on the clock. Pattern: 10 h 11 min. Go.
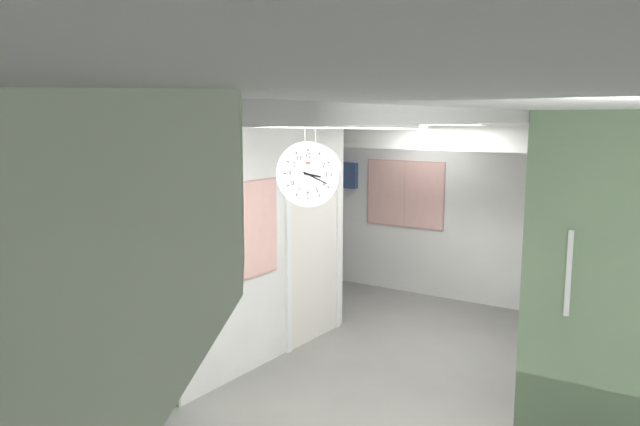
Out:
3 h 19 min
